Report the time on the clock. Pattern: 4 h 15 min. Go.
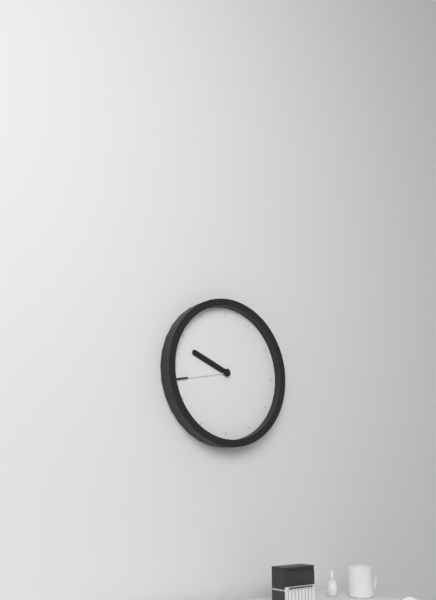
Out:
9 h 43 min
